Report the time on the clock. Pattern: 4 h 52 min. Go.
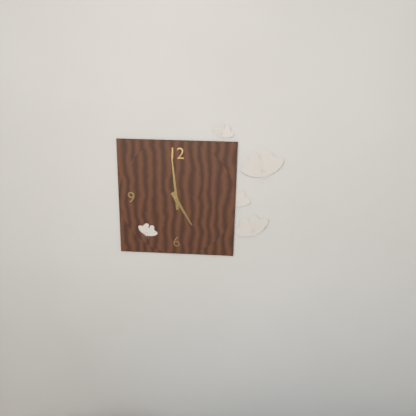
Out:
4 h 59 min
